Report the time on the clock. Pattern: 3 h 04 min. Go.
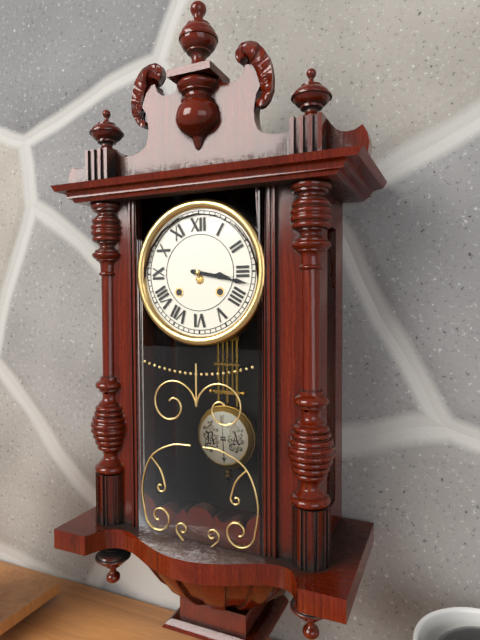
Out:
3 h 17 min
